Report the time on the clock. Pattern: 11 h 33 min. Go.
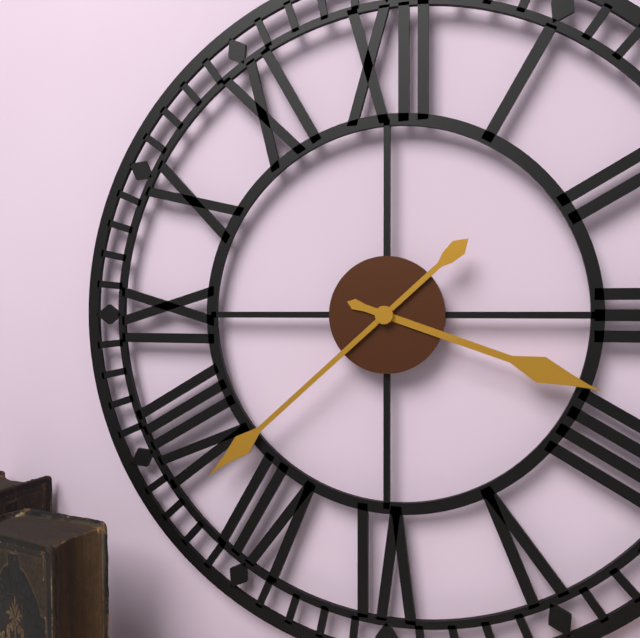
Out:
3 h 38 min
